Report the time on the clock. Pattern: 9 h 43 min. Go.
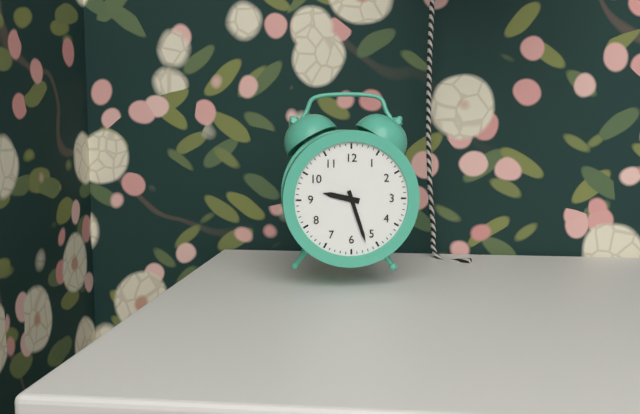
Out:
9 h 27 min
